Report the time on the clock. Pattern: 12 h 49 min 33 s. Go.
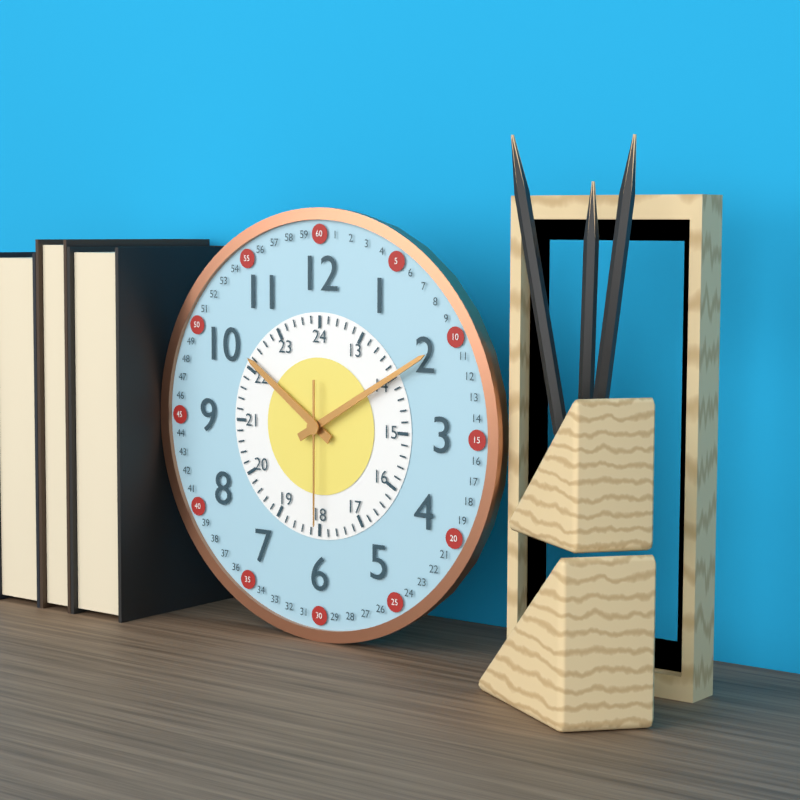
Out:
10 h 10 min 30 s
